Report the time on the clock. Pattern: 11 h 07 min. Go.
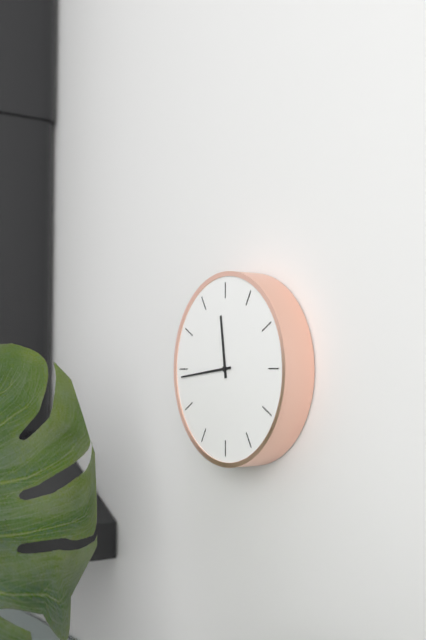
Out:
11 h 44 min
